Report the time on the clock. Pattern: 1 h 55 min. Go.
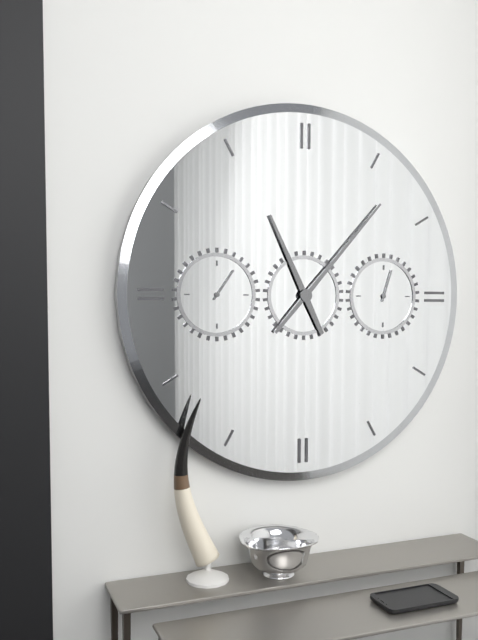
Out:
11 h 07 min
